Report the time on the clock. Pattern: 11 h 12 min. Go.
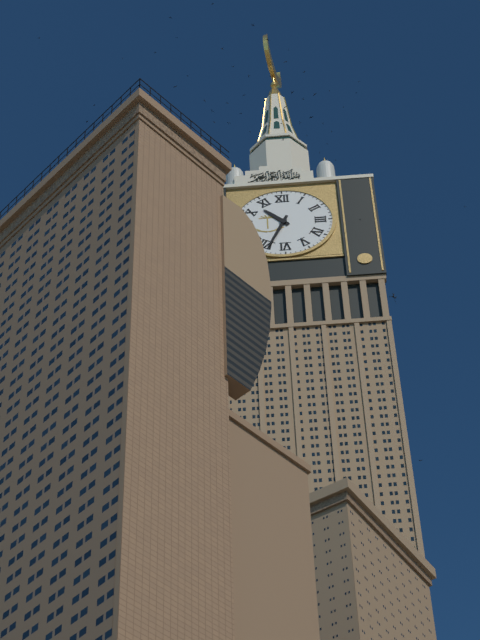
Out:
10 h 34 min
